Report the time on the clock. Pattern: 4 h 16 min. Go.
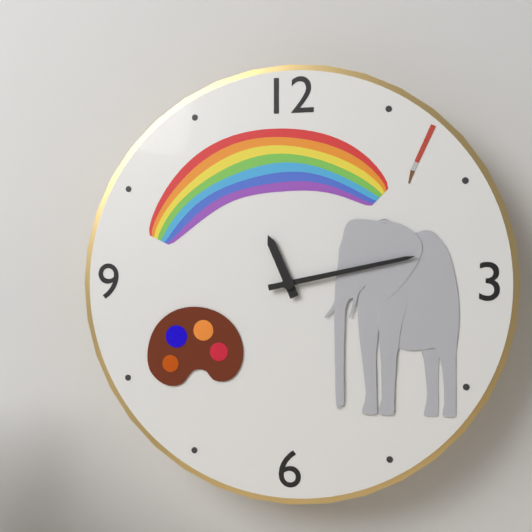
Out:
11 h 13 min
